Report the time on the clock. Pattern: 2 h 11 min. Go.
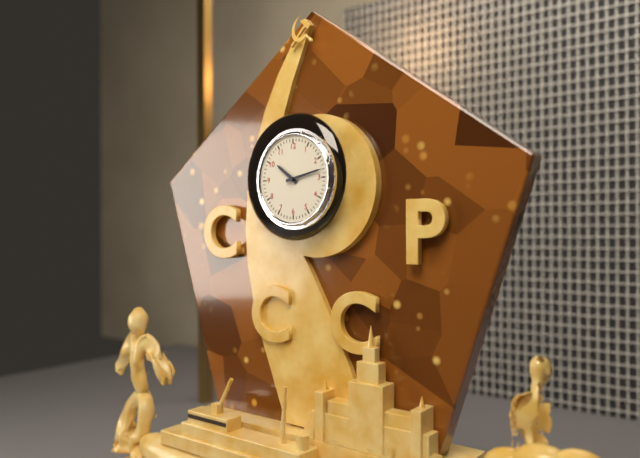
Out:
10 h 13 min
